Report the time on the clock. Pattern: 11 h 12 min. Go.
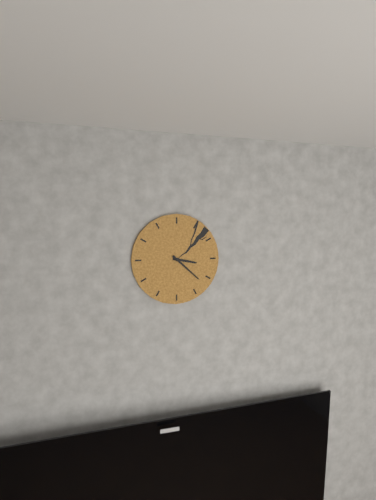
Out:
3 h 22 min
